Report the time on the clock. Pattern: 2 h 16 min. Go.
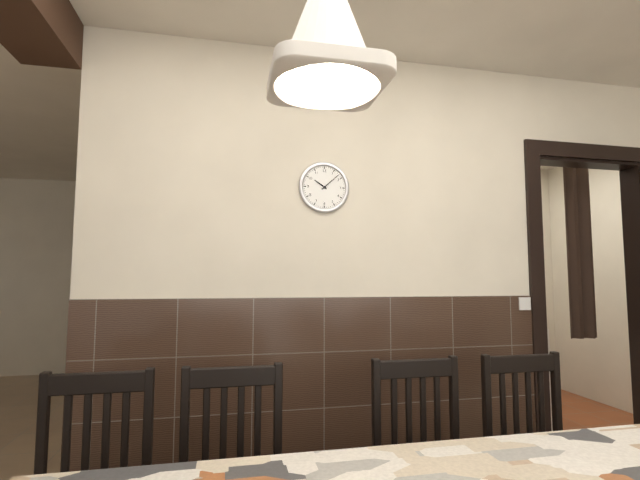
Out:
10 h 08 min
